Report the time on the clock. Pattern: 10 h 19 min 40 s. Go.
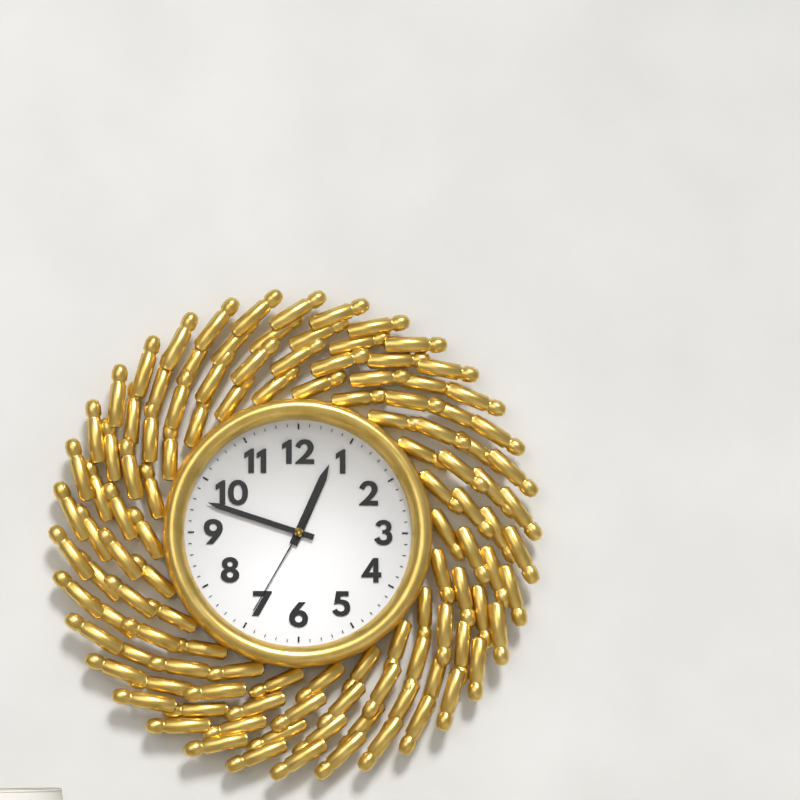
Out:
12 h 48 min 35 s
